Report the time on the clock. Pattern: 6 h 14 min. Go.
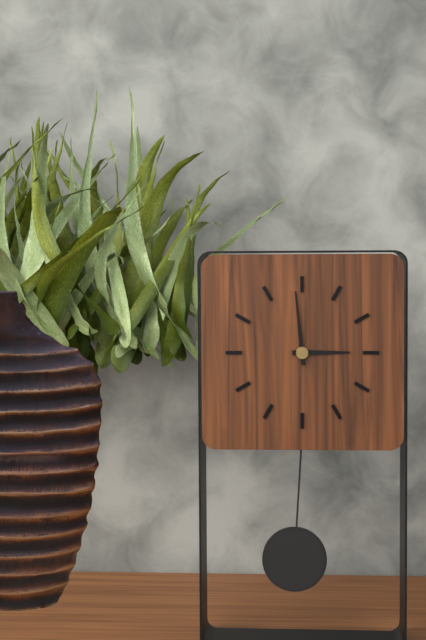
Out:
2 h 59 min
